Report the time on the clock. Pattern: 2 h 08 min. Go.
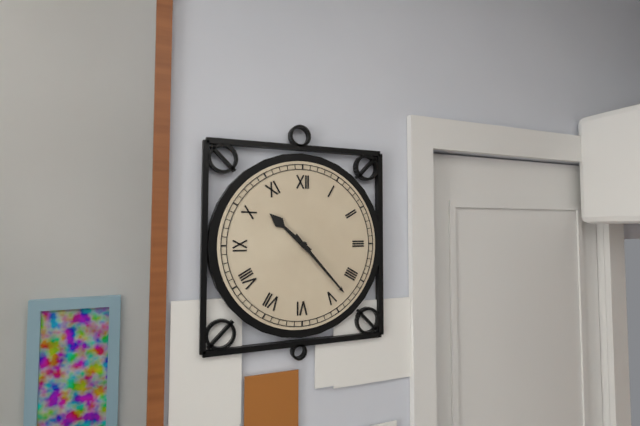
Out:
10 h 23 min
